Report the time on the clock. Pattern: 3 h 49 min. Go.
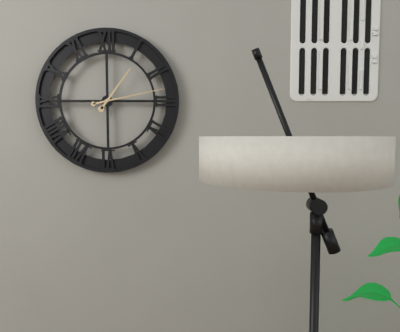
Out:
1 h 13 min
